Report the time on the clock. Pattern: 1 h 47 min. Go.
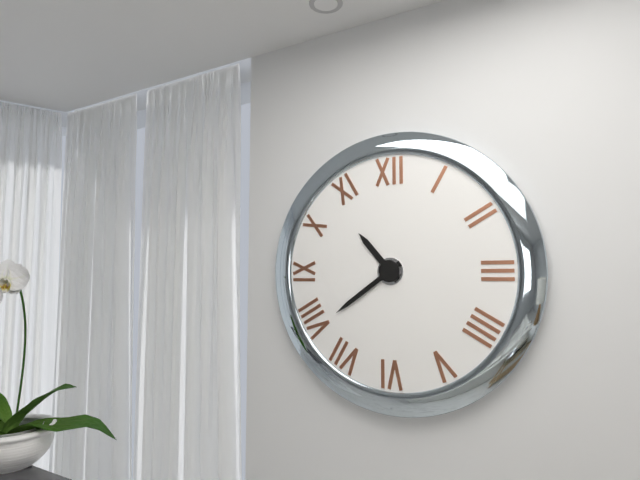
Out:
10 h 39 min
